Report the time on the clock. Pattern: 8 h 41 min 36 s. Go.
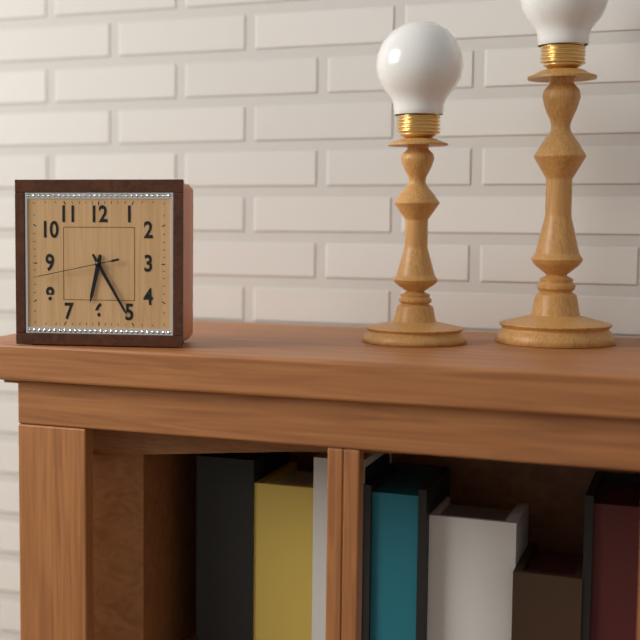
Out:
6 h 25 min 43 s
